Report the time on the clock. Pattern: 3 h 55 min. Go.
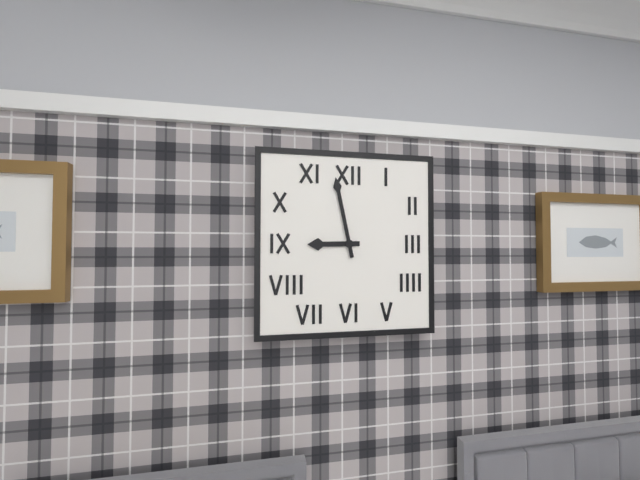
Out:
8 h 58 min
